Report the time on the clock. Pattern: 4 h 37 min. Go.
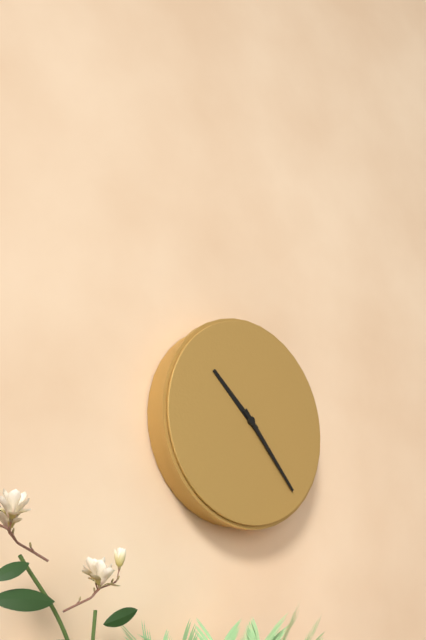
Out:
10 h 23 min
